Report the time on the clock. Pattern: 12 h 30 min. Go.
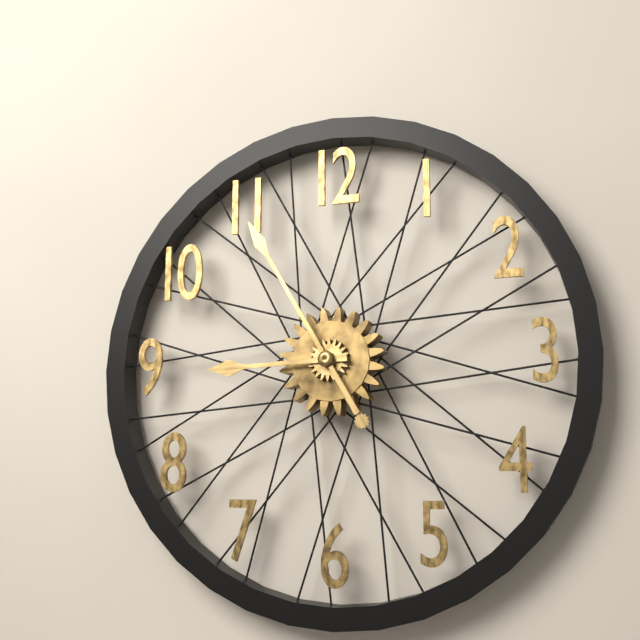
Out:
8 h 55 min
